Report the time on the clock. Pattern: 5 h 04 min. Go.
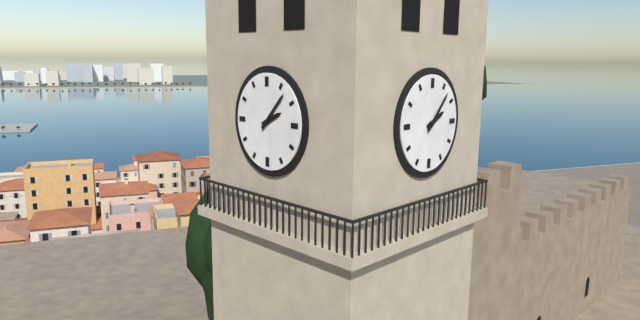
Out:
2 h 07 min
